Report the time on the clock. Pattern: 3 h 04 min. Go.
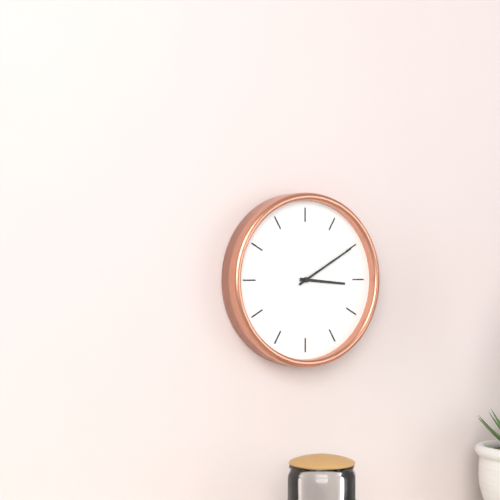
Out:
3 h 10 min
